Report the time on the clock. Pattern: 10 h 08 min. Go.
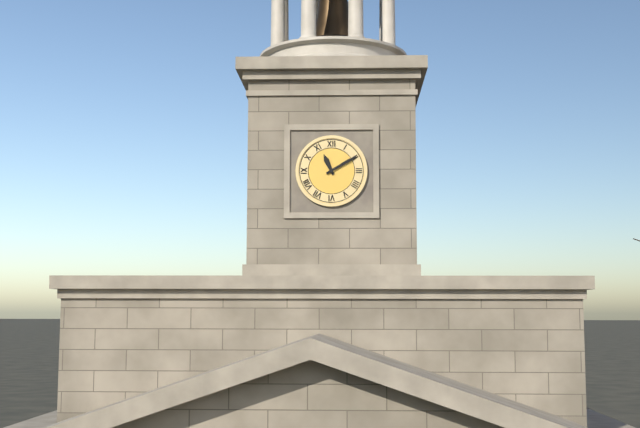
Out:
11 h 10 min
